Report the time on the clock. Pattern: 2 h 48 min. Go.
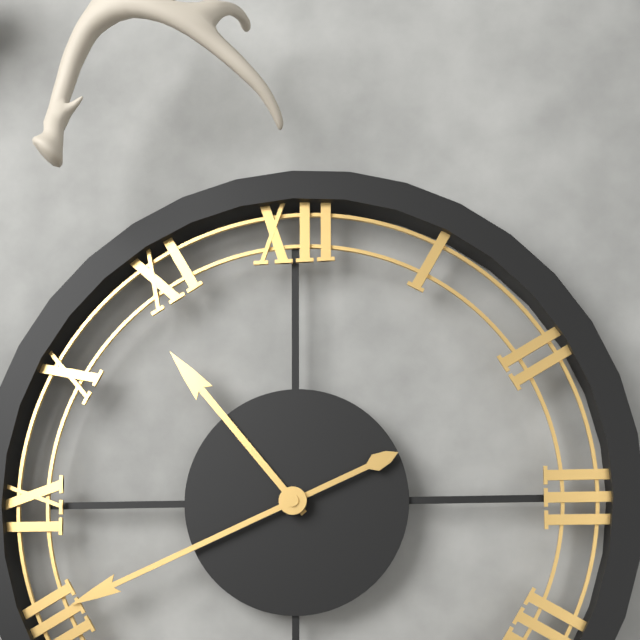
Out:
10 h 41 min
